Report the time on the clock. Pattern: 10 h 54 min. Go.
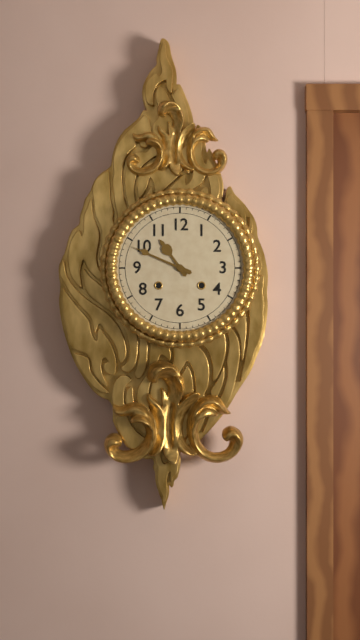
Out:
10 h 49 min
